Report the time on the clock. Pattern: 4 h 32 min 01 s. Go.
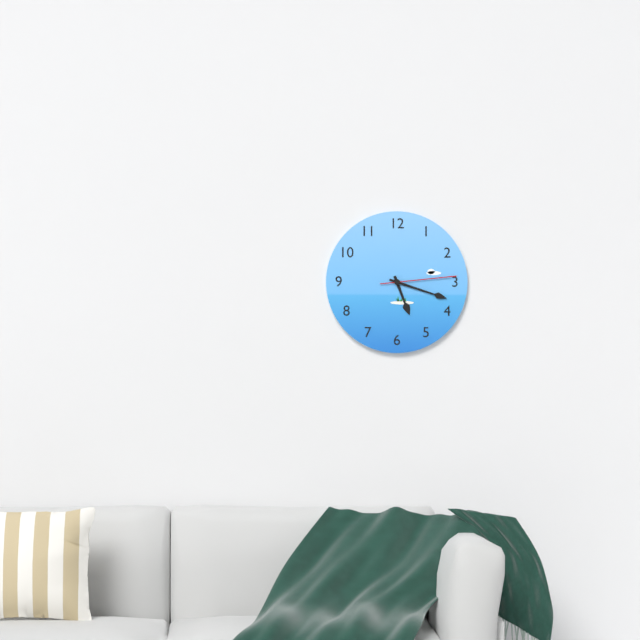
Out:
5 h 18 min 14 s
